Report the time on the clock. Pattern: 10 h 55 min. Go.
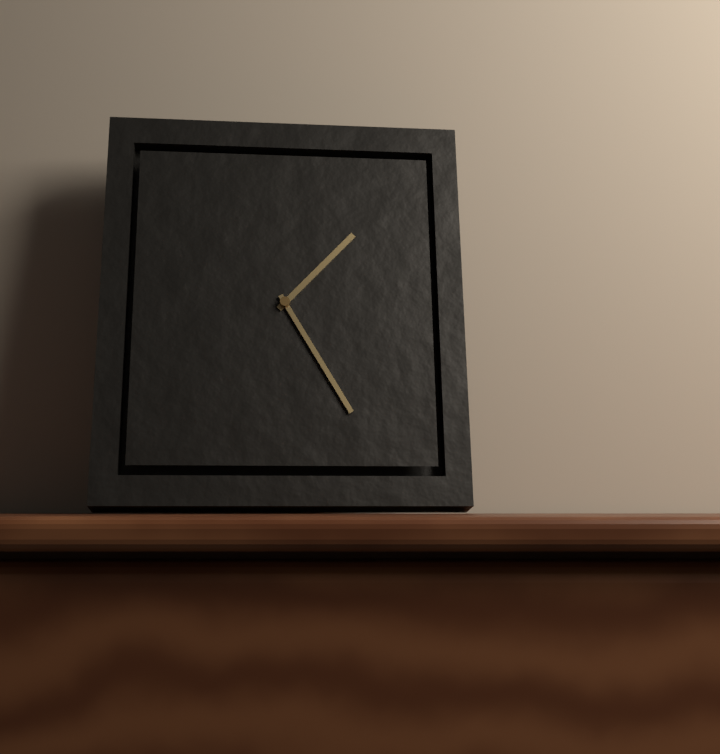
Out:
1 h 25 min
